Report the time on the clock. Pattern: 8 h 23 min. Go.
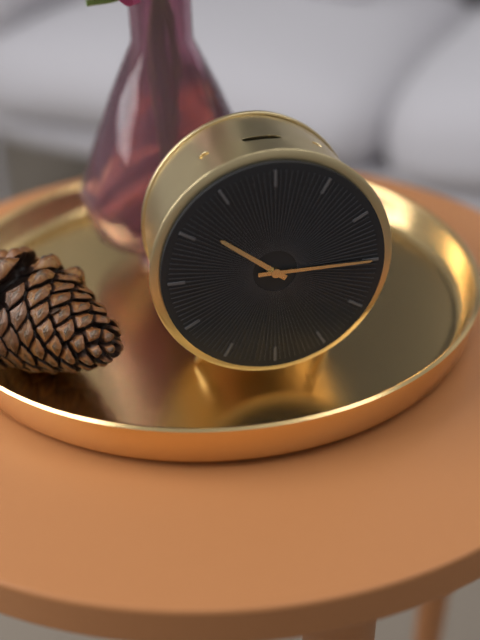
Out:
10 h 15 min
